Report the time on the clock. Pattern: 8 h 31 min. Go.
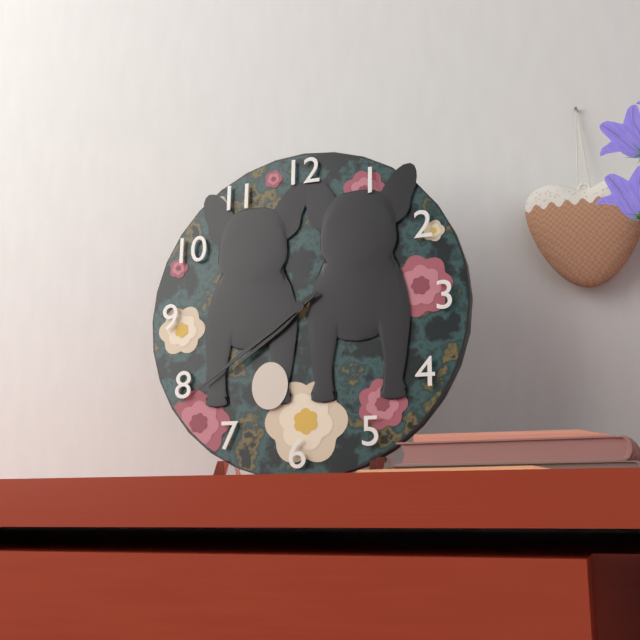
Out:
7 h 39 min
